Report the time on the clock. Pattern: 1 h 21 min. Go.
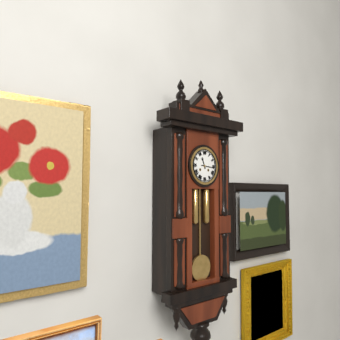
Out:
11 h 16 min
